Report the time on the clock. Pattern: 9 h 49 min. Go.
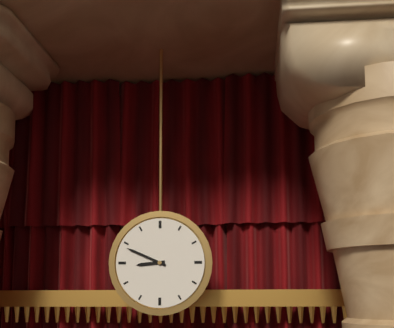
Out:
8 h 49 min
